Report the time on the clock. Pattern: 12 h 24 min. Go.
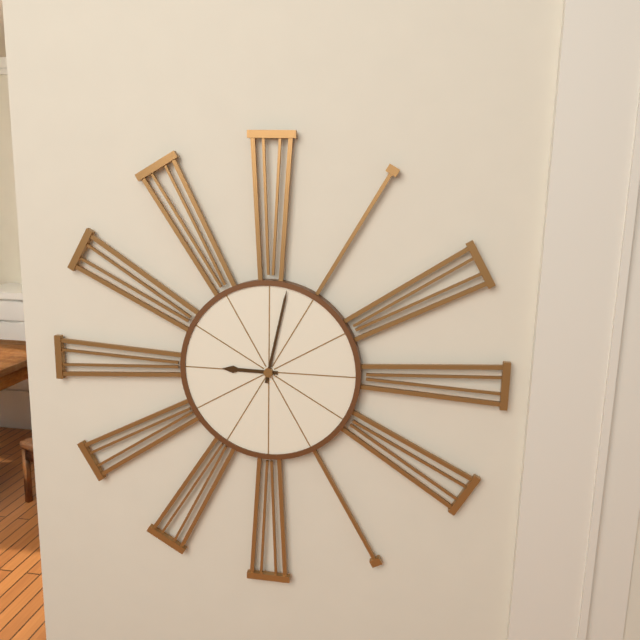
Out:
9 h 02 min
